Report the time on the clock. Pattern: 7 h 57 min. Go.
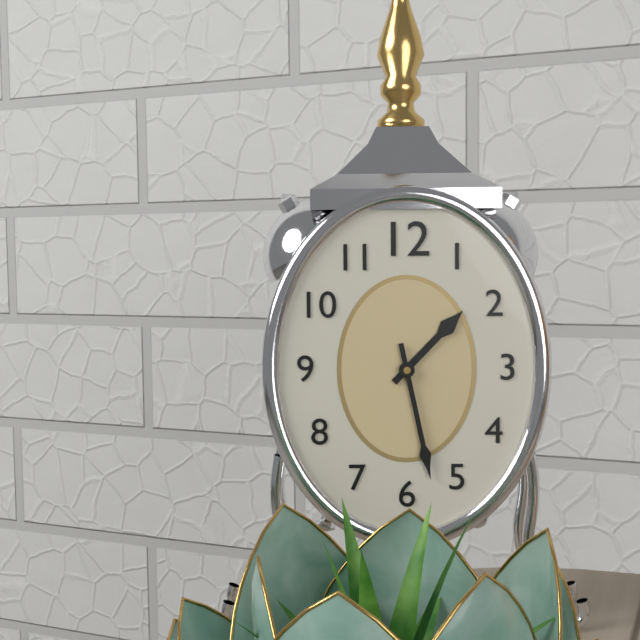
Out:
1 h 28 min
